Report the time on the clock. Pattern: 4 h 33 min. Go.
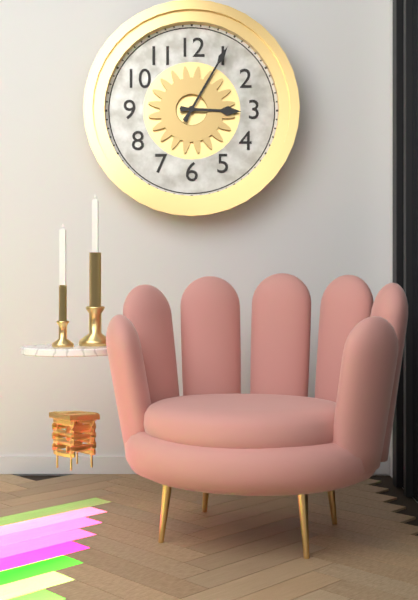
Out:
3 h 05 min
